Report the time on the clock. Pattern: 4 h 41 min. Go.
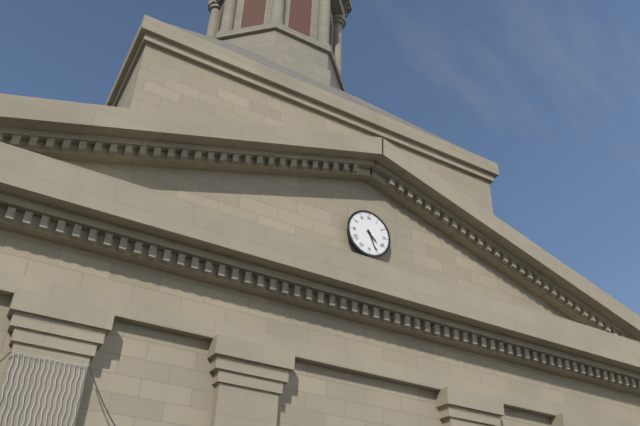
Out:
4 h 26 min
